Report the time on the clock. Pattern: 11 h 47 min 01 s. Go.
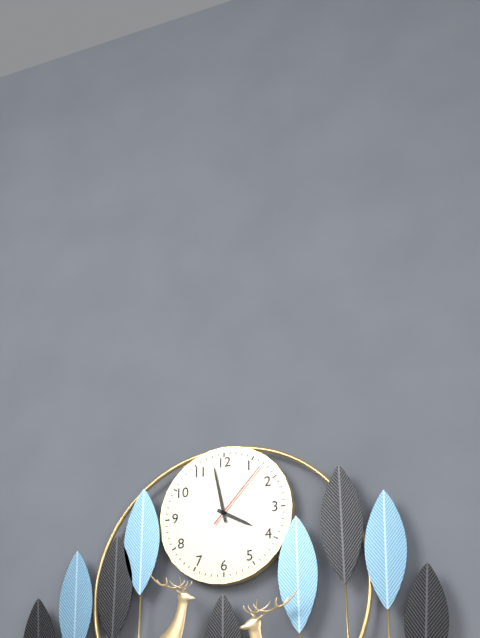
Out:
3 h 58 min 07 s
